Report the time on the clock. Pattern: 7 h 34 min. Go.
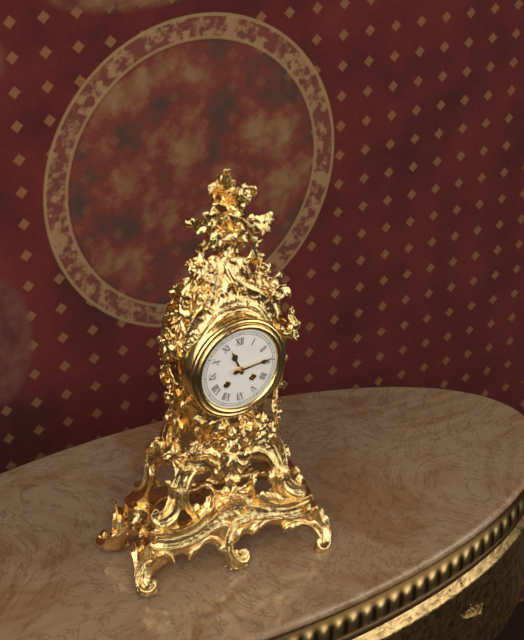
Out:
11 h 14 min
